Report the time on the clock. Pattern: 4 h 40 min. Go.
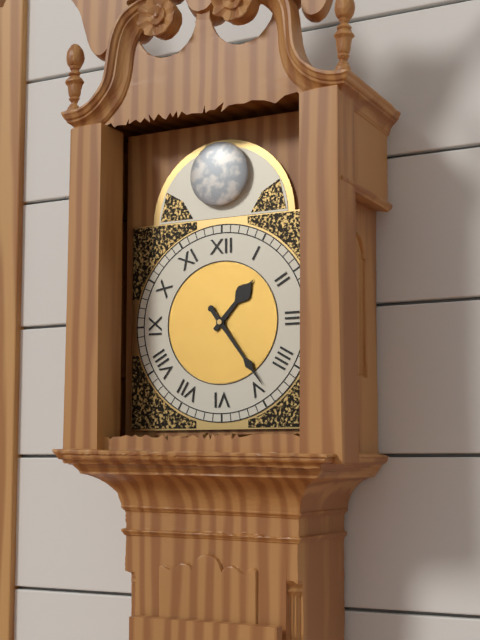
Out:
1 h 24 min
